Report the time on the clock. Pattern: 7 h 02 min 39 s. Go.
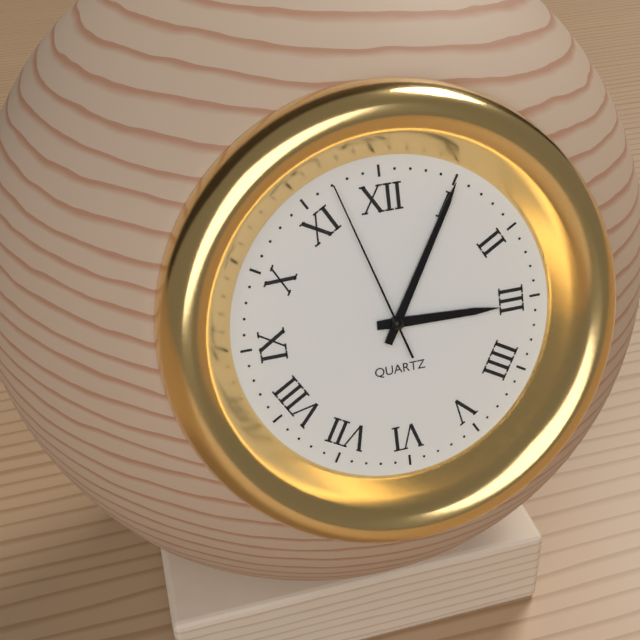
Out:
3 h 05 min 57 s
